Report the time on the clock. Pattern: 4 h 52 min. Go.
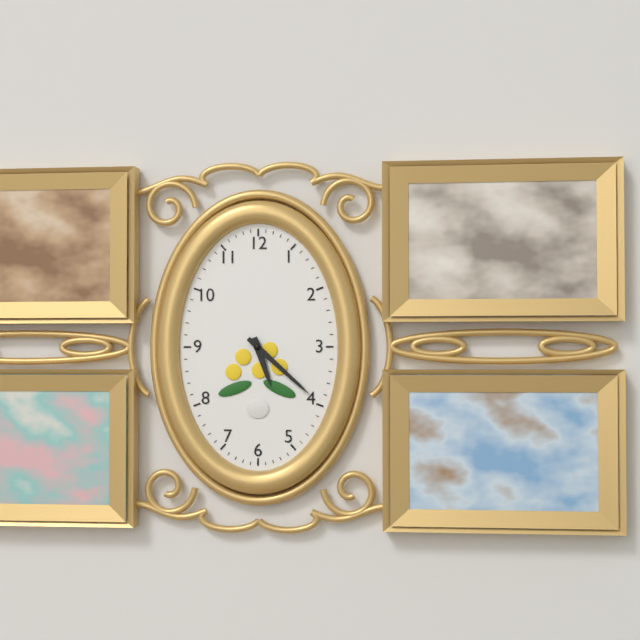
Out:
5 h 22 min
